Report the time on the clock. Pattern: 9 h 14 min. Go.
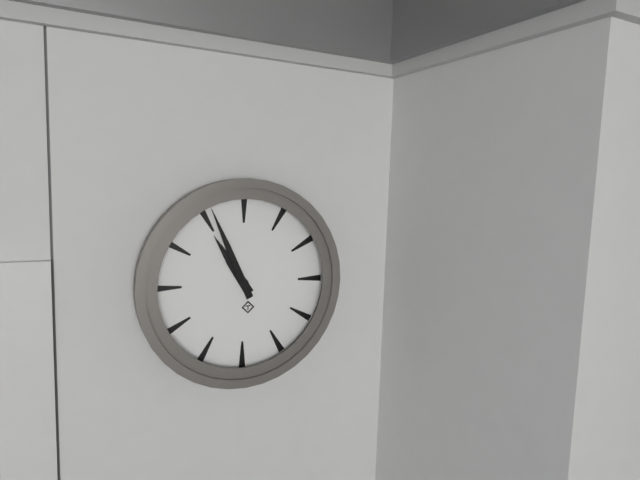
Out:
10 h 56 min
